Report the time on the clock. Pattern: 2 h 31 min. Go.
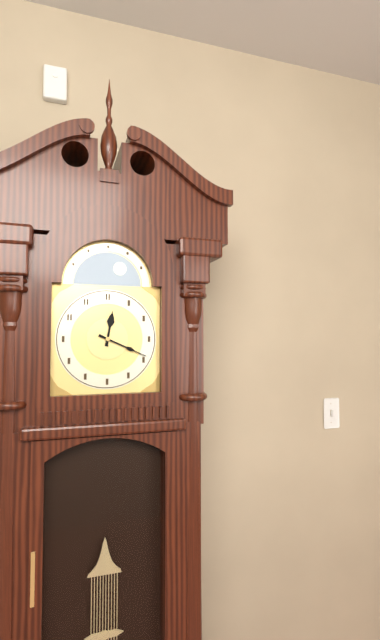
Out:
12 h 19 min
